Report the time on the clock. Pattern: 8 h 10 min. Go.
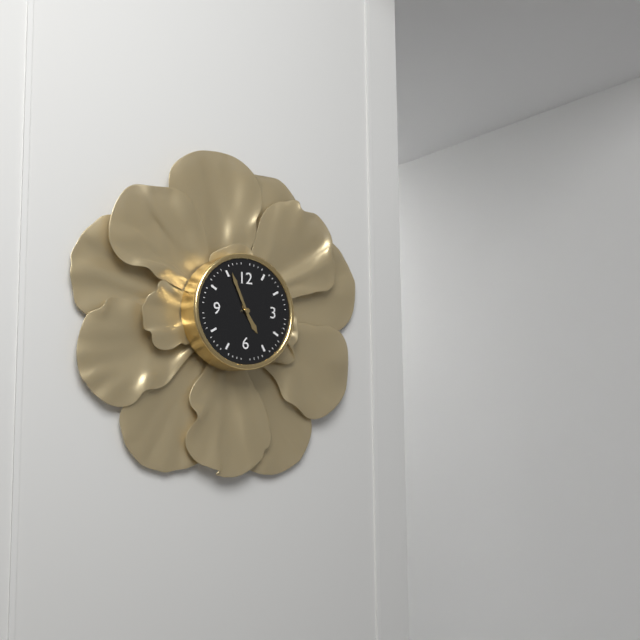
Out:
4 h 56 min
